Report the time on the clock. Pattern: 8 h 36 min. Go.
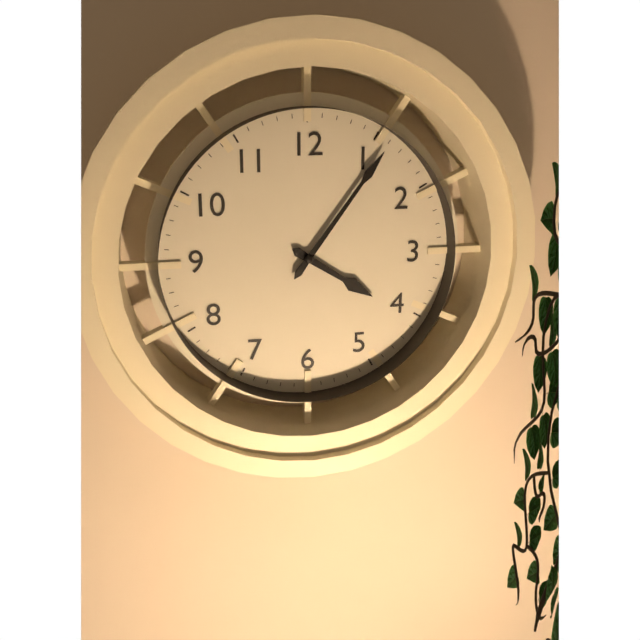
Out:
4 h 06 min
